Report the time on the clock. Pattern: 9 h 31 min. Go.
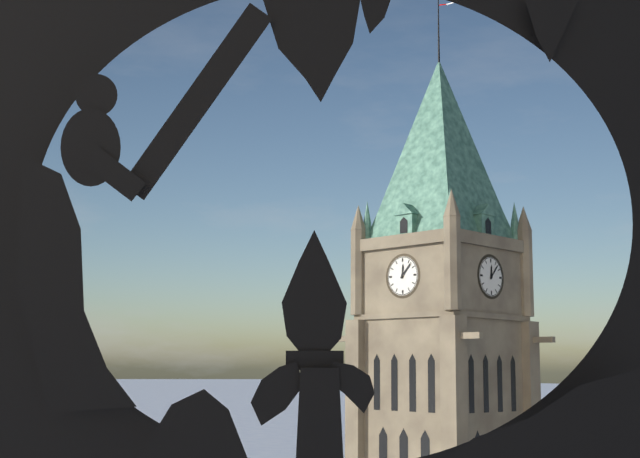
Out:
12 h 07 min
